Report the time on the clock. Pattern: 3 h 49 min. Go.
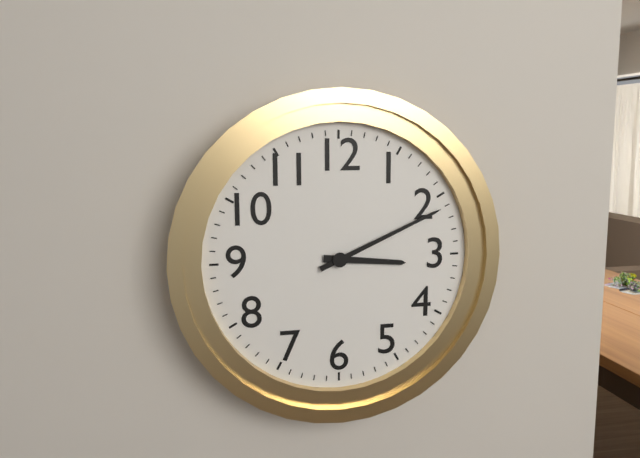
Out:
3 h 11 min
